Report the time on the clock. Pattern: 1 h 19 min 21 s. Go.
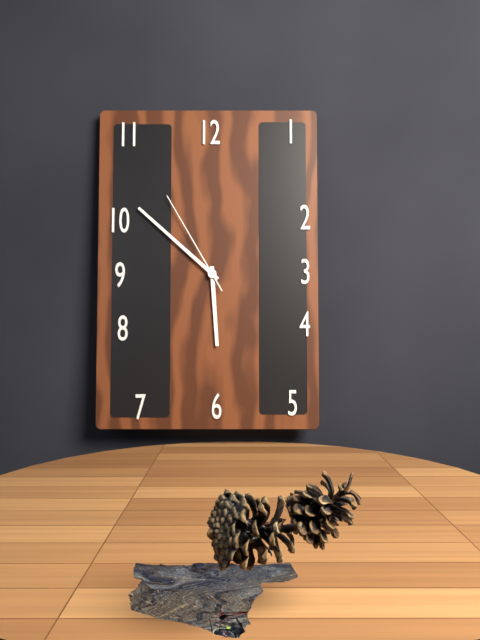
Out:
5 h 52 min 55 s
